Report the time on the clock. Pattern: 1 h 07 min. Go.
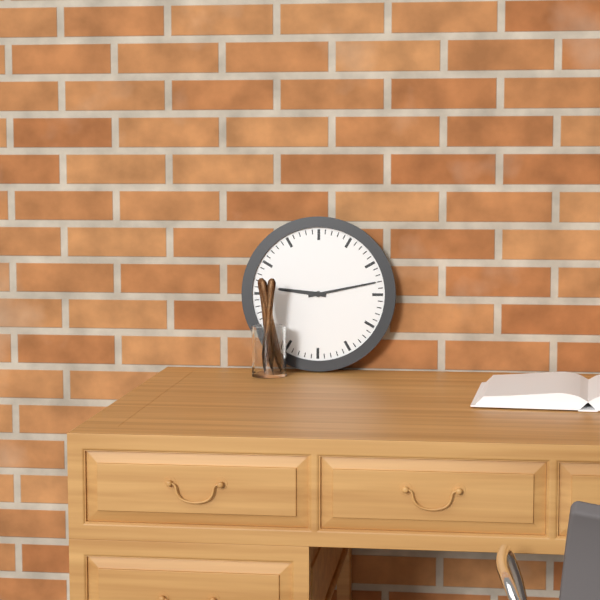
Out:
9 h 13 min
